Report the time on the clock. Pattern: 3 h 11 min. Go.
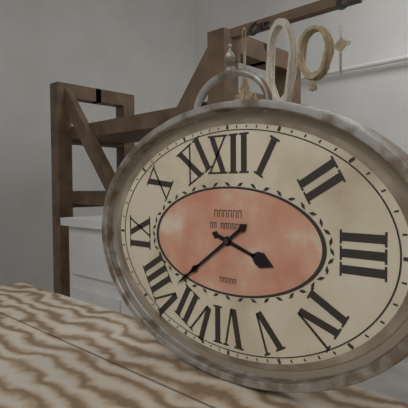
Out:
3 h 39 min
